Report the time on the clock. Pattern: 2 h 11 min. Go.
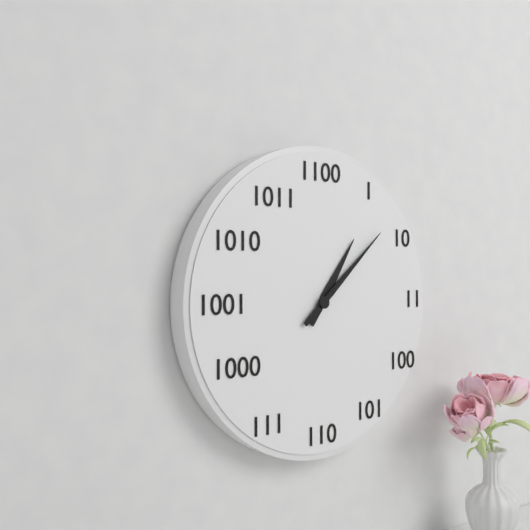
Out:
1 h 08 min
